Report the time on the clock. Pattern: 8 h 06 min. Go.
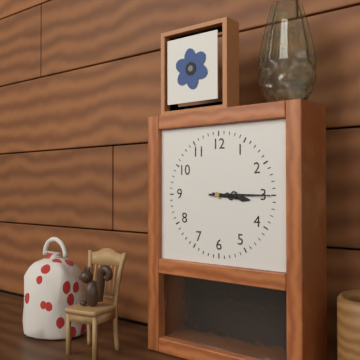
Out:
3 h 15 min
